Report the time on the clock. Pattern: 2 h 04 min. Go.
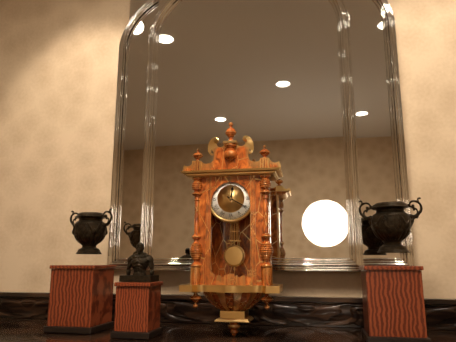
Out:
12 h 20 min
